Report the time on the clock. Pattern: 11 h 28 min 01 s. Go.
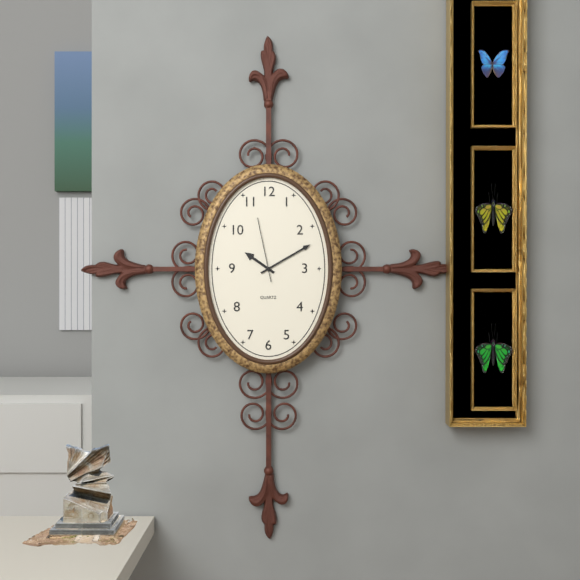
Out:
10 h 10 min 58 s
